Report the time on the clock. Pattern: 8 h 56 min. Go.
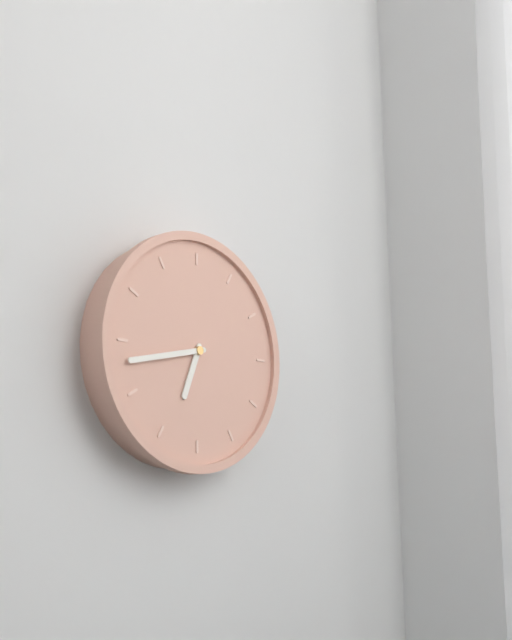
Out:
6 h 43 min
